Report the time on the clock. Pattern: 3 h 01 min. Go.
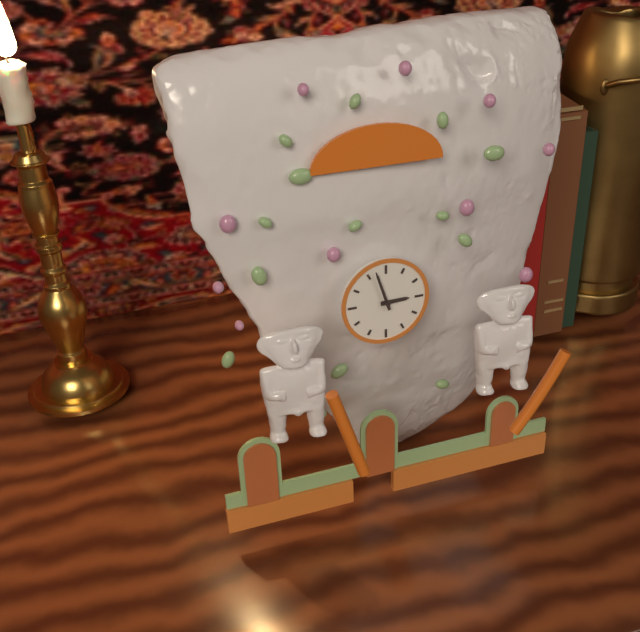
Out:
2 h 57 min
